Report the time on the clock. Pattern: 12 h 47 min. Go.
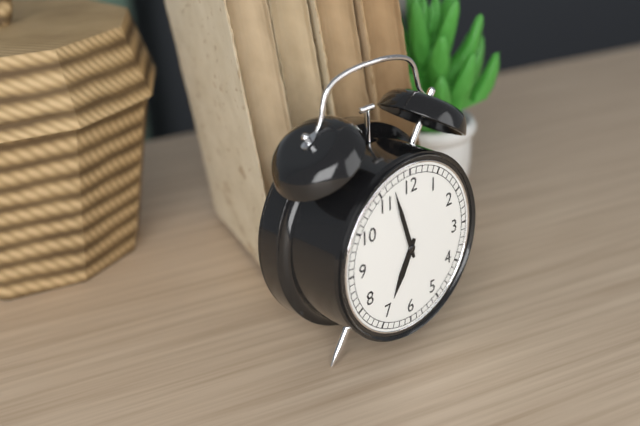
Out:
6 h 57 min
